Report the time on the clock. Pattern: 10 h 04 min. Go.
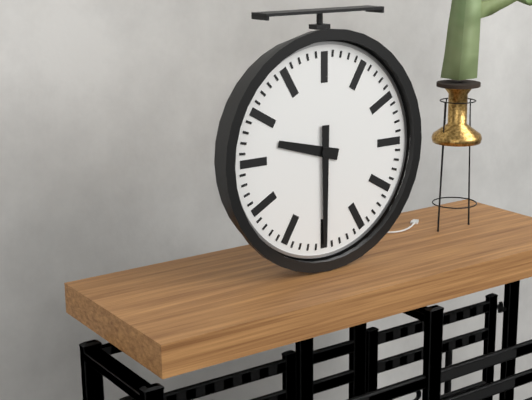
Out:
9 h 30 min
